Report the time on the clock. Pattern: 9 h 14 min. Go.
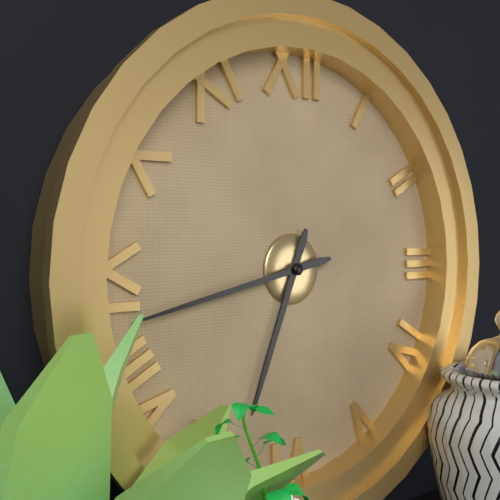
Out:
6 h 43 min
